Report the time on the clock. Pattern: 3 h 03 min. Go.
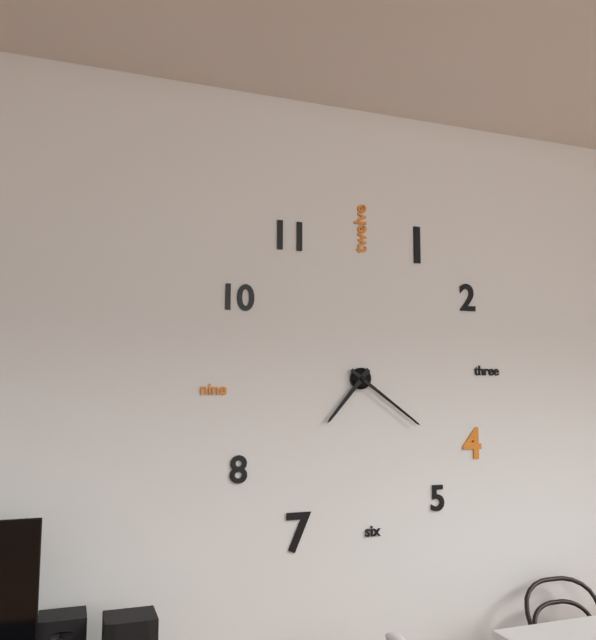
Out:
7 h 21 min
